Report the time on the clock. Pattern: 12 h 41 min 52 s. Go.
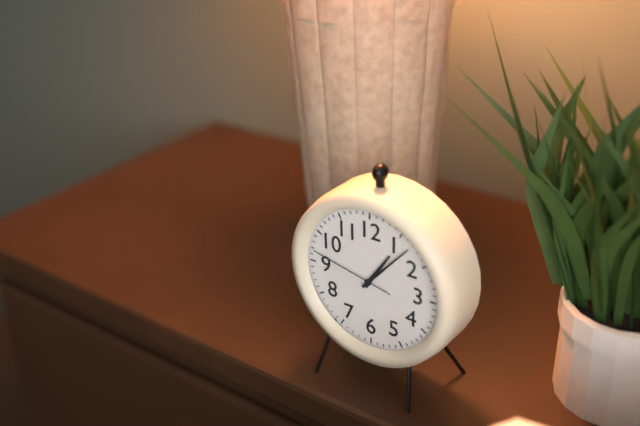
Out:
1 h 07 min 47 s
